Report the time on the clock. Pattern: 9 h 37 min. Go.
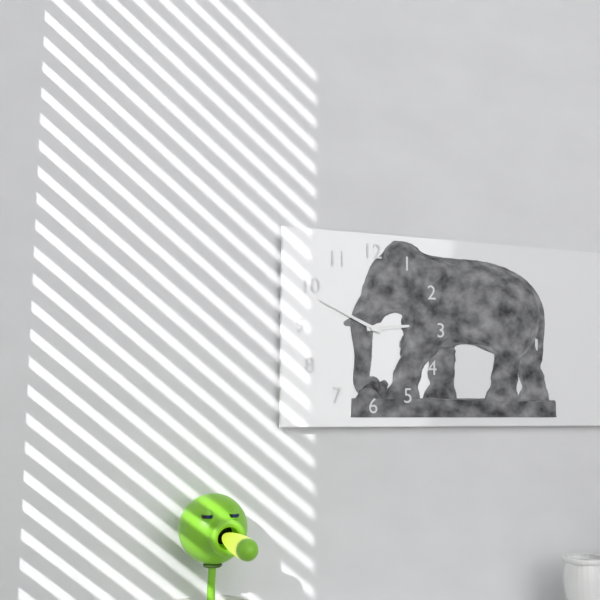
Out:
2 h 49 min
